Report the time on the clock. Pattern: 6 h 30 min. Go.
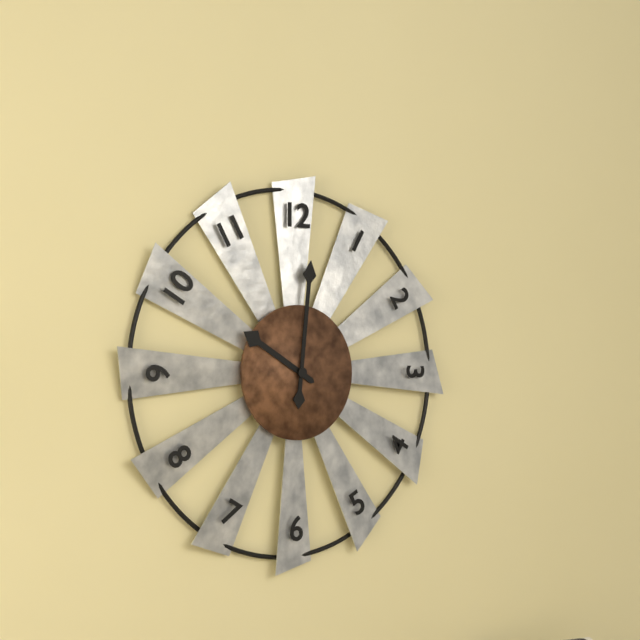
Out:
10 h 01 min
